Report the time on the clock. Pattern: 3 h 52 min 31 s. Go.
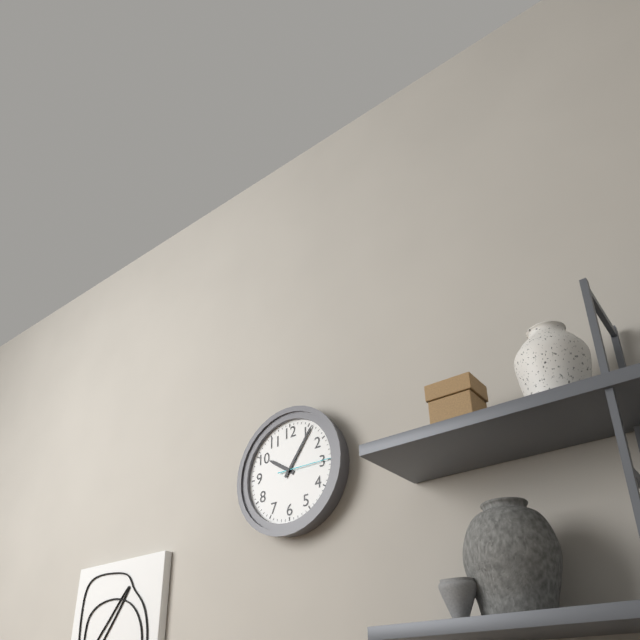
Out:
10 h 06 min 15 s
